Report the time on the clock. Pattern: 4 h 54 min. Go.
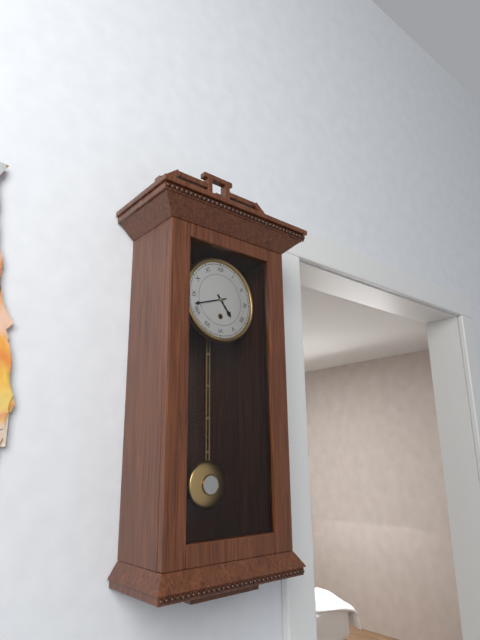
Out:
4 h 42 min
